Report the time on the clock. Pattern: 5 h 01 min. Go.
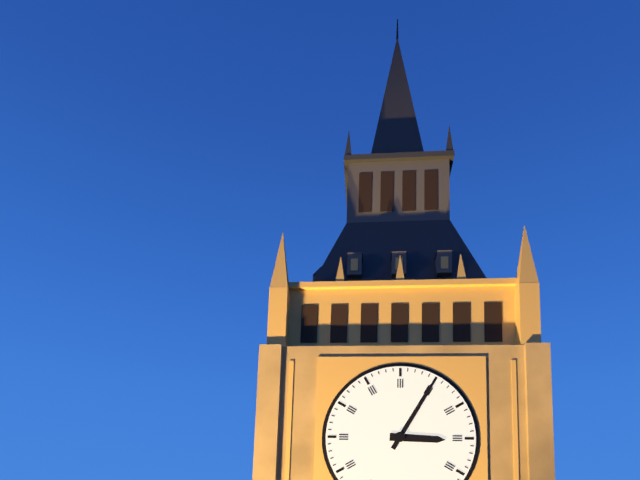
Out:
3 h 05 min
